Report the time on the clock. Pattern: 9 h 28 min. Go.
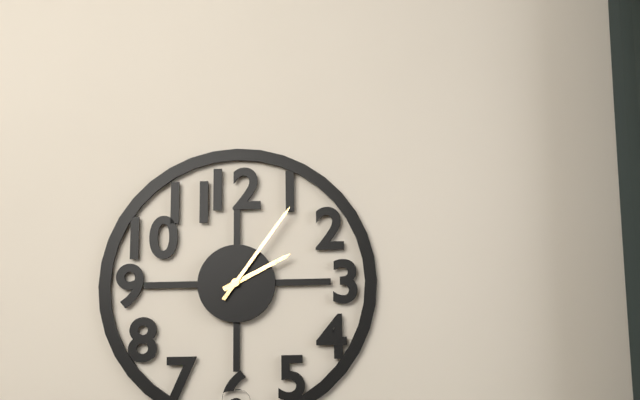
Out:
2 h 06 min
